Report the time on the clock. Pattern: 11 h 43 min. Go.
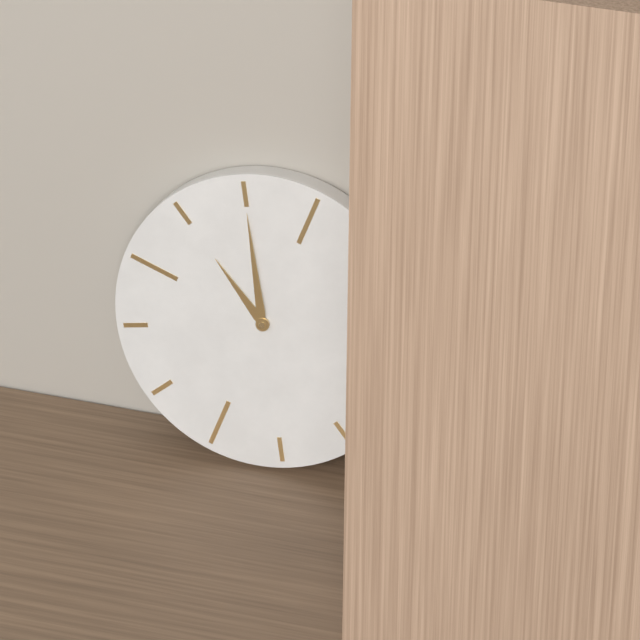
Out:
11 h 00 min
